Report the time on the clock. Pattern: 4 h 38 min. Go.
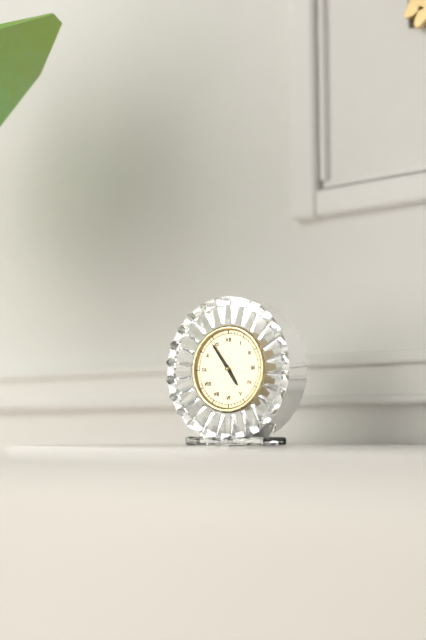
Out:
4 h 54 min
